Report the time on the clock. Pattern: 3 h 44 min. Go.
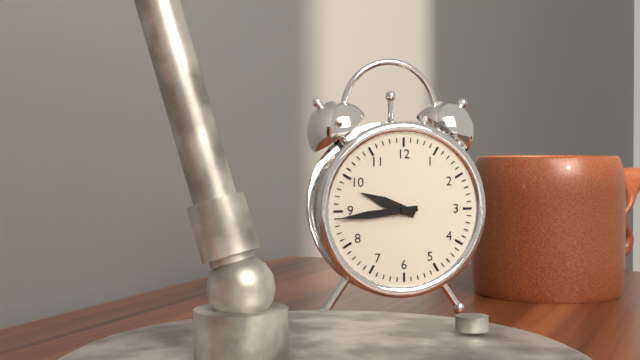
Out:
9 h 44 min
